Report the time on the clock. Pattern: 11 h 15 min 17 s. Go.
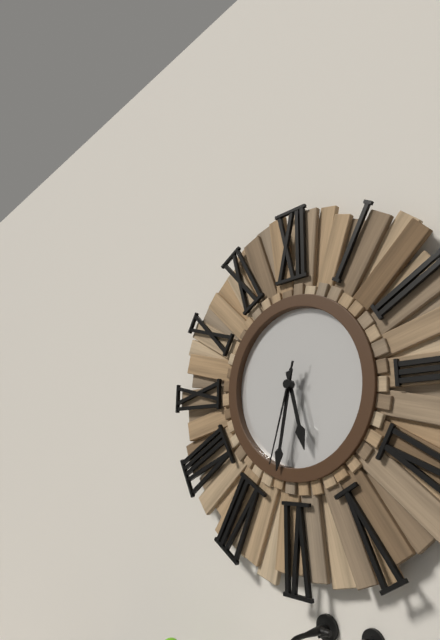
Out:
5 h 32 min 33 s
